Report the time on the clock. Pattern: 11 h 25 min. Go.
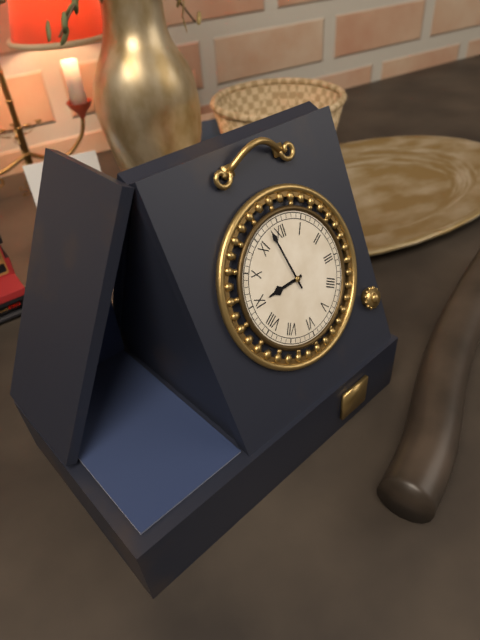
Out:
8 h 58 min
